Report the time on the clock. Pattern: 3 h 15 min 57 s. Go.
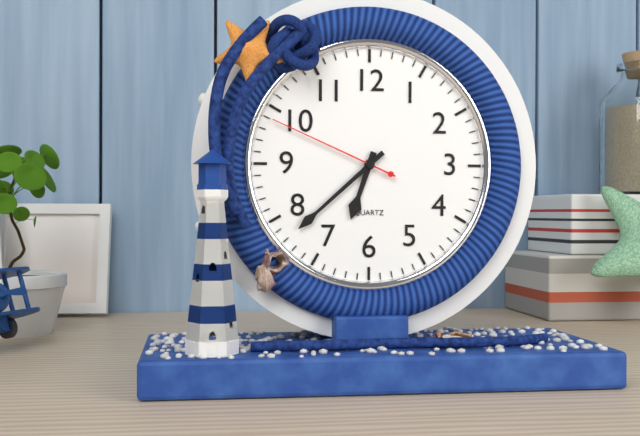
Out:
6 h 38 min 49 s
